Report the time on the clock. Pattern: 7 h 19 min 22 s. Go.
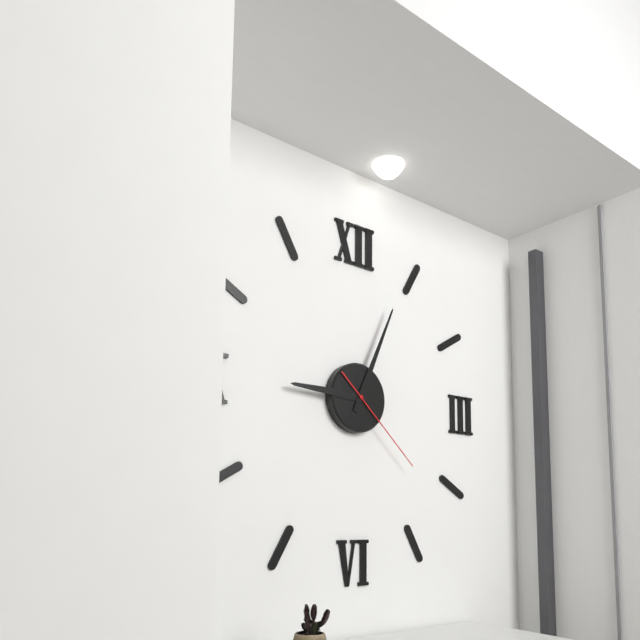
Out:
9 h 04 min 22 s
